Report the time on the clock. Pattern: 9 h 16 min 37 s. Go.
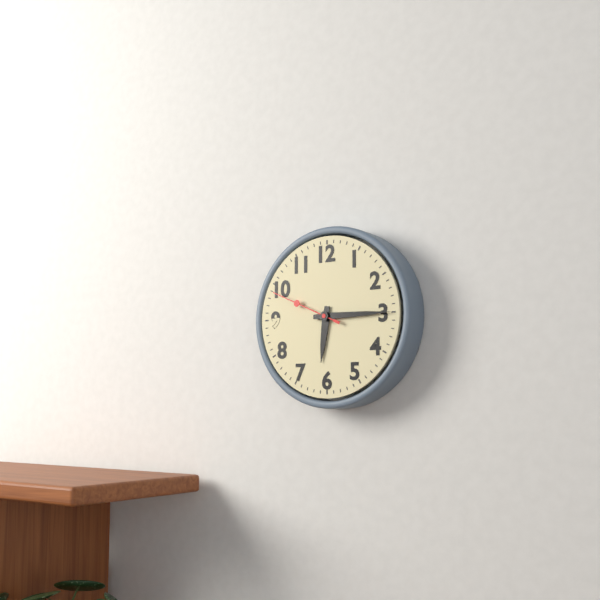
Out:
6 h 15 min 49 s
